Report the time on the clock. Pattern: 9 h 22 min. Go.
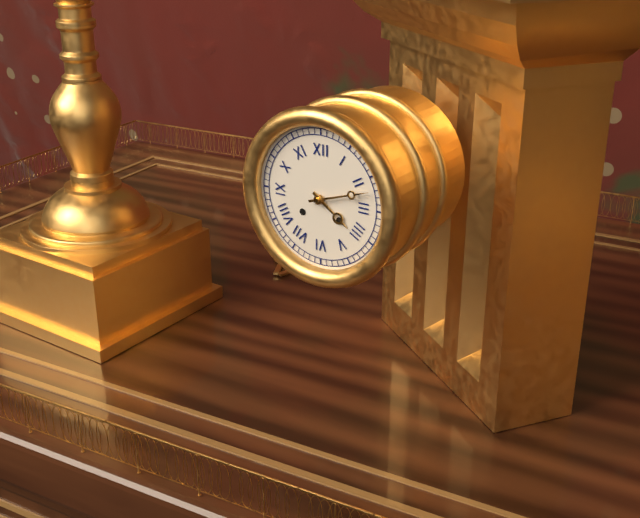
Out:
4 h 12 min
